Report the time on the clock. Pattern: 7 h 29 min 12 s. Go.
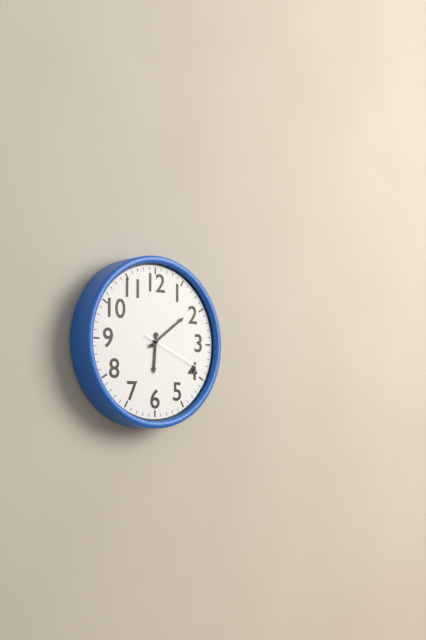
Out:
6 h 09 min 19 s
